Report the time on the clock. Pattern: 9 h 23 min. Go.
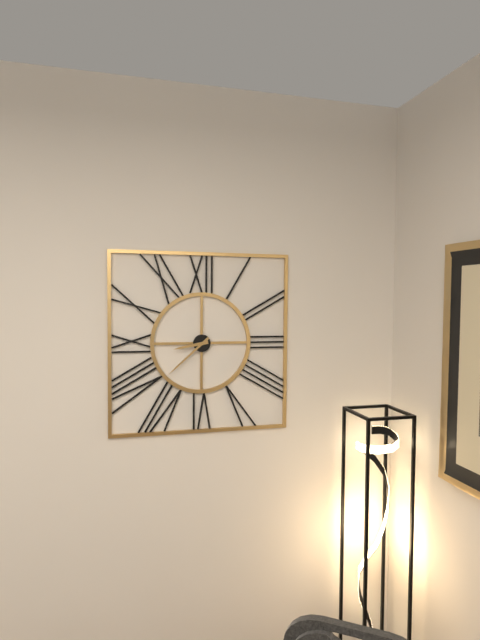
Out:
8 h 38 min
